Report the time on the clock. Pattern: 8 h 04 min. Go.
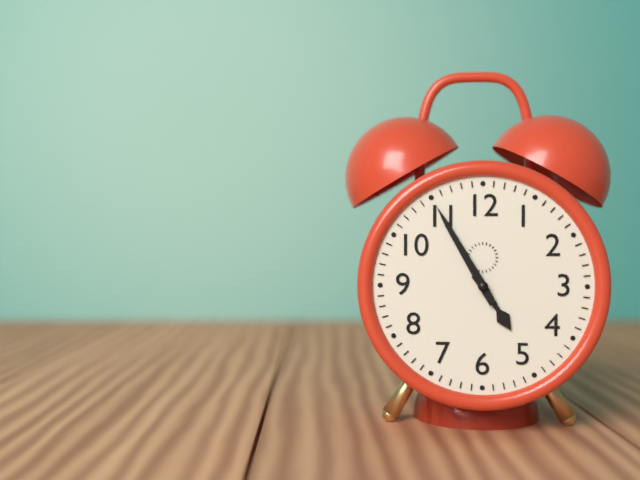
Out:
4 h 55 min
